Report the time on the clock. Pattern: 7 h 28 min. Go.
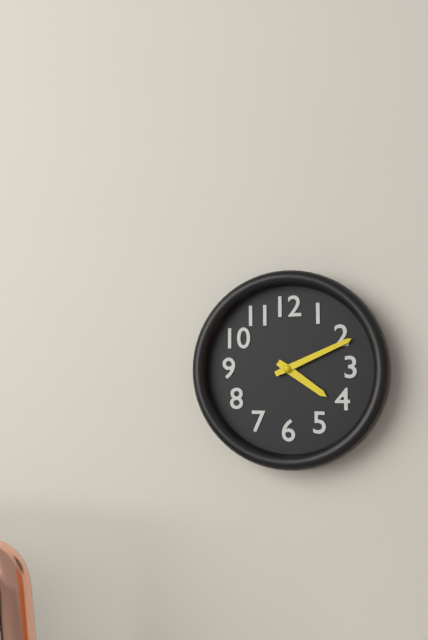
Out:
4 h 11 min
